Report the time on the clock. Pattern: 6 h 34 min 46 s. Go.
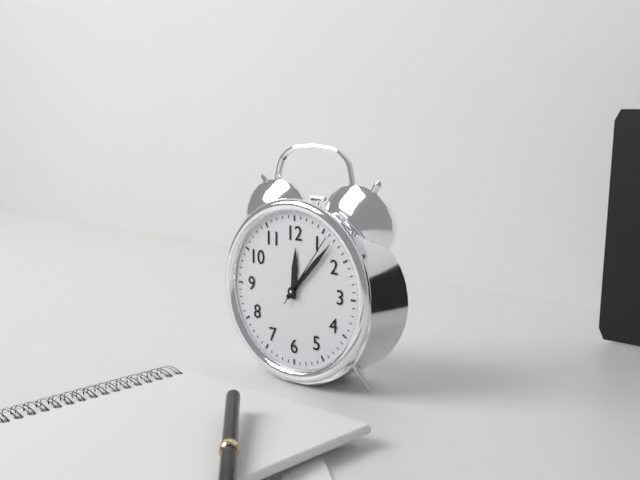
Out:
12 h 07 min 06 s
